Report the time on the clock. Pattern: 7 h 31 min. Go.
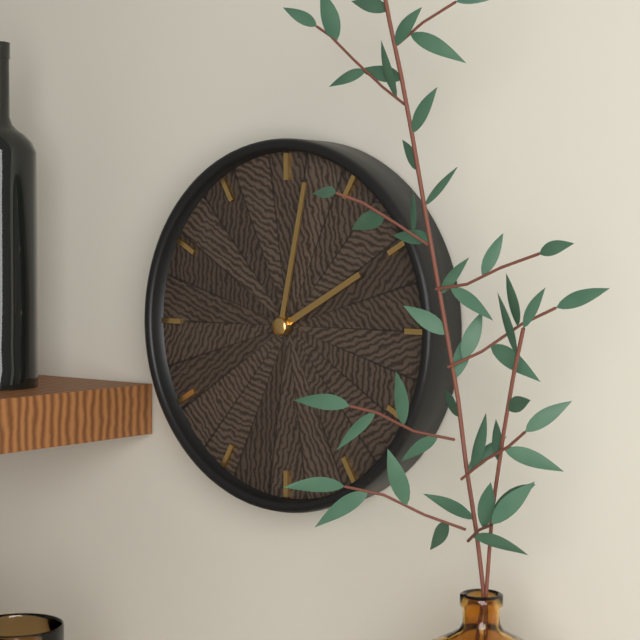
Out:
2 h 02 min
